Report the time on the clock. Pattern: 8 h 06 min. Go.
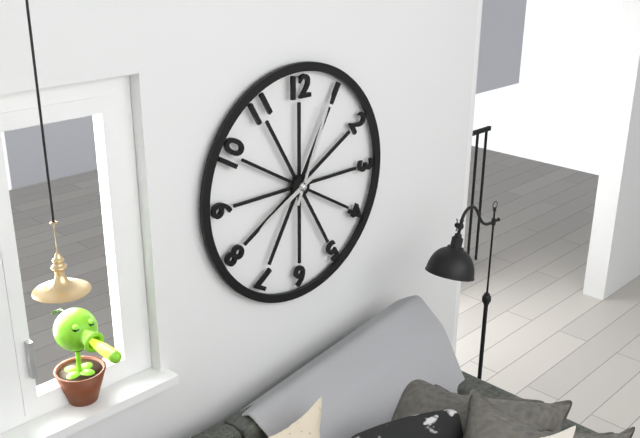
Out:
8 h 04 min
